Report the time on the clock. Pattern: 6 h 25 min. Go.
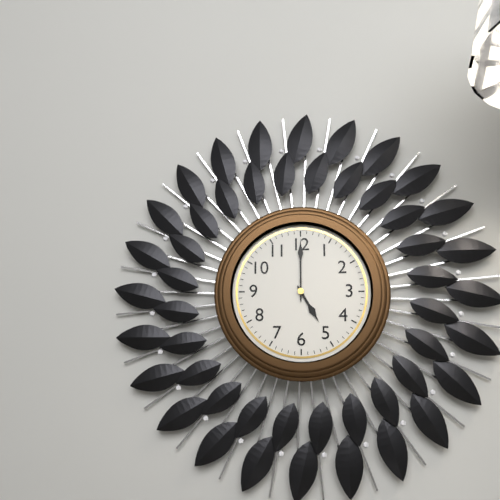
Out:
5 h 00 min
